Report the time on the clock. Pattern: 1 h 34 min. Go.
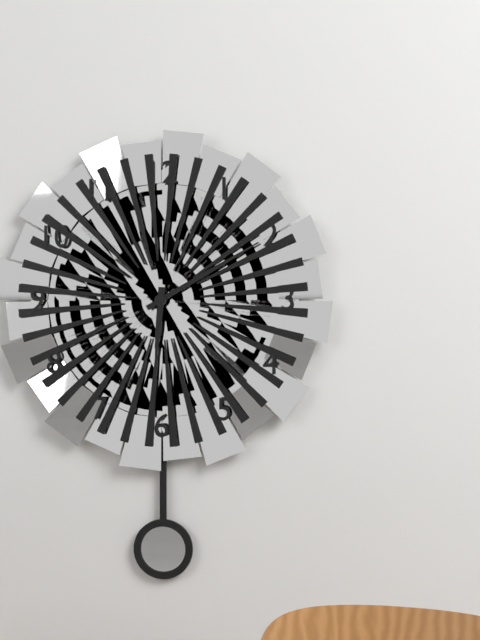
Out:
6 h 10 min
